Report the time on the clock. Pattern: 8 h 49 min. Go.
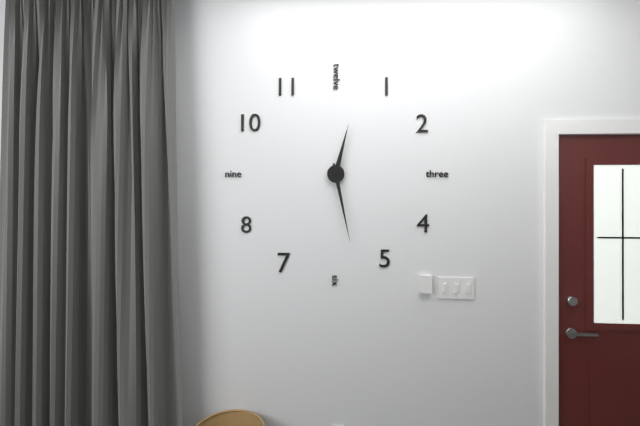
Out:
12 h 28 min
